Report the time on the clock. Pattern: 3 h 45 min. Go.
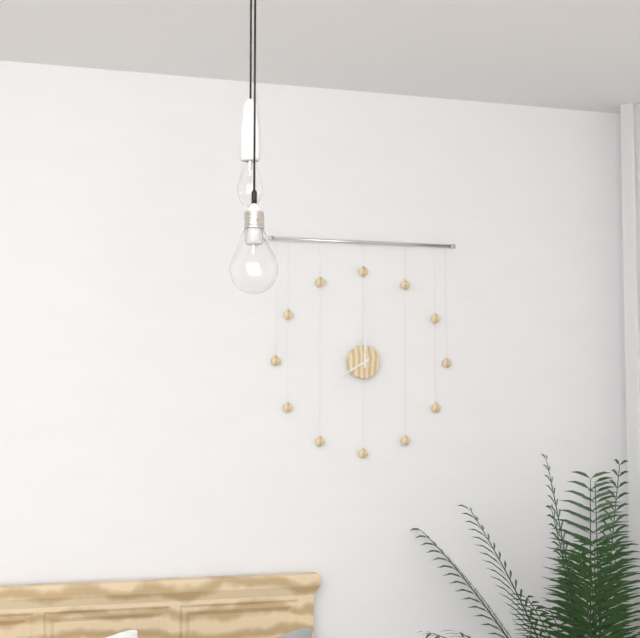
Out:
8 h 00 min
